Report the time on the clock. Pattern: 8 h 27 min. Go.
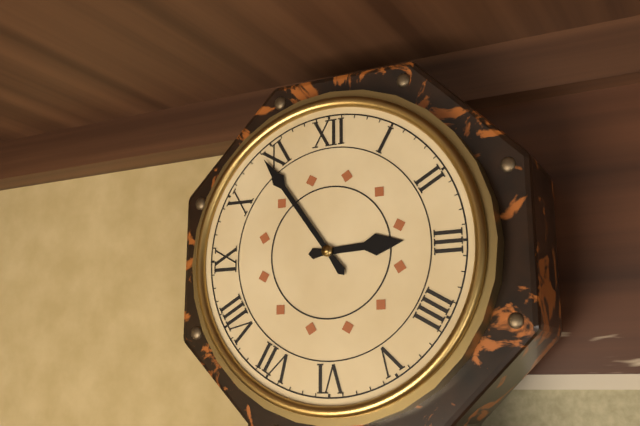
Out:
2 h 54 min
